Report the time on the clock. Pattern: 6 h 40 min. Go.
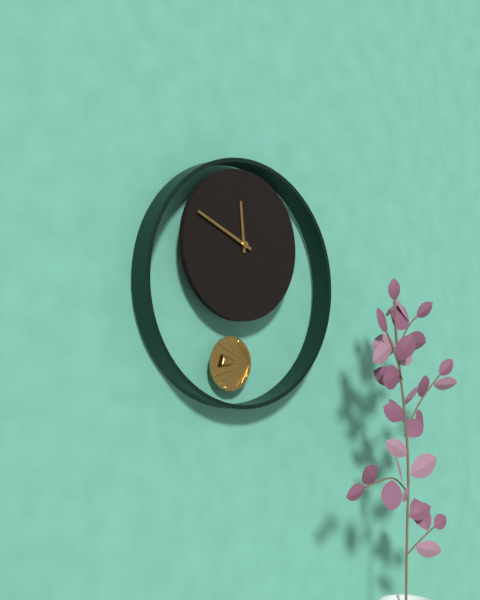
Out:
11 h 49 min
